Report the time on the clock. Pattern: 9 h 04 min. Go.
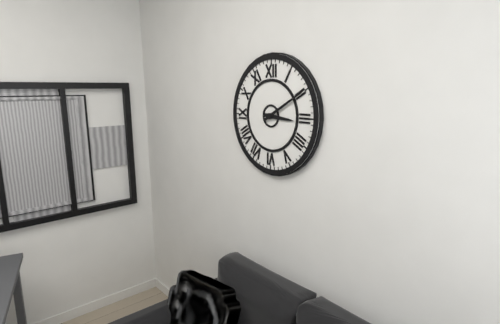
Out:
3 h 10 min
